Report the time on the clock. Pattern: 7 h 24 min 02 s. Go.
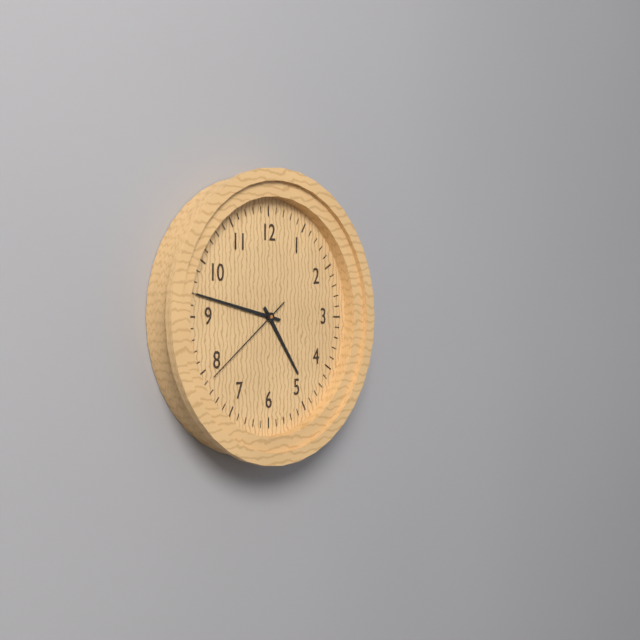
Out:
4 h 47 min 39 s
